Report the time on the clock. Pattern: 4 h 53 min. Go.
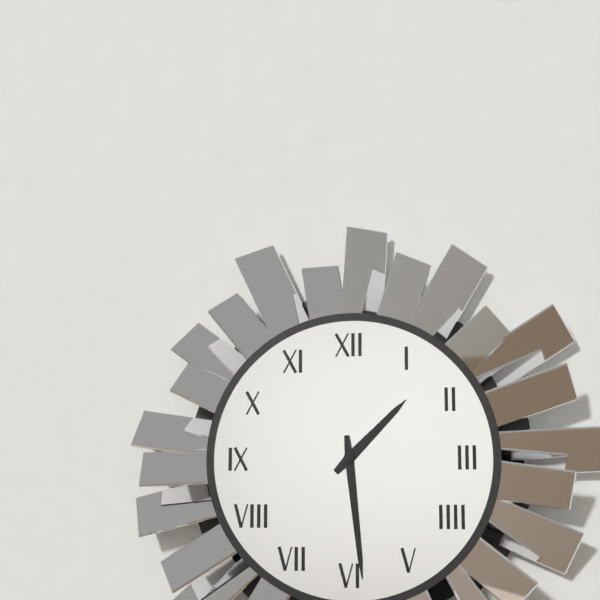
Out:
1 h 29 min
